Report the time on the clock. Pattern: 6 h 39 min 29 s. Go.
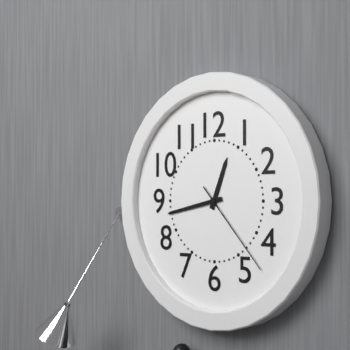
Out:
12 h 43 min 23 s
